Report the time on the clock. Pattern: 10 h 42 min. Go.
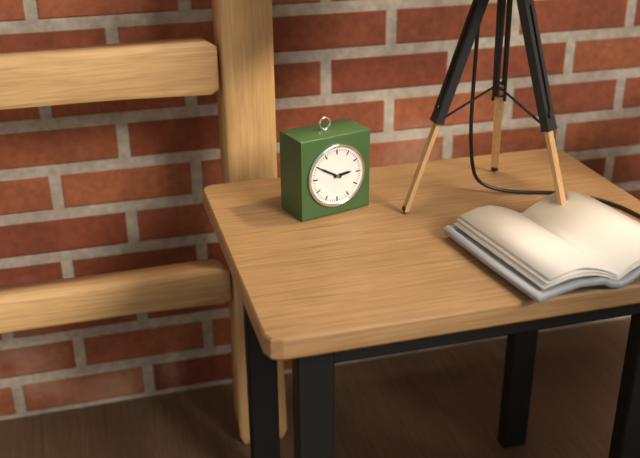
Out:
2 h 50 min
